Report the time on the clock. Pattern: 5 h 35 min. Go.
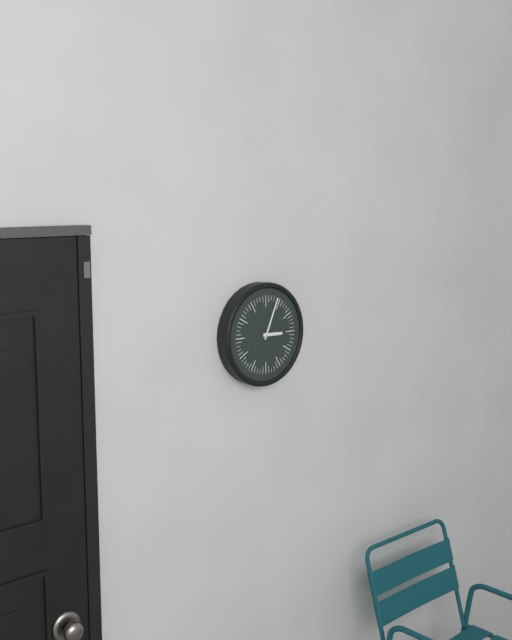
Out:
3 h 04 min
